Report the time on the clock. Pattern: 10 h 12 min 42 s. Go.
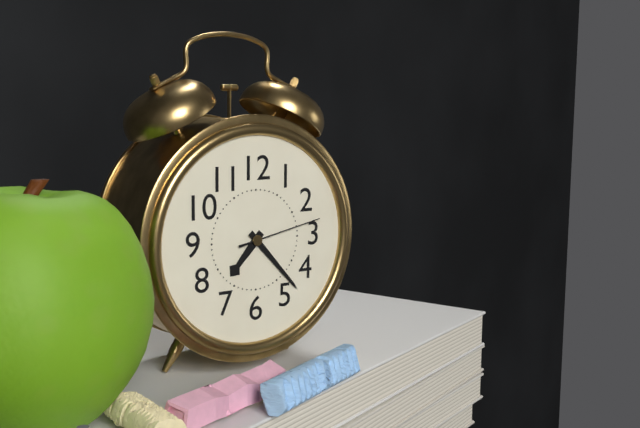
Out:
7 h 23 min 13 s
